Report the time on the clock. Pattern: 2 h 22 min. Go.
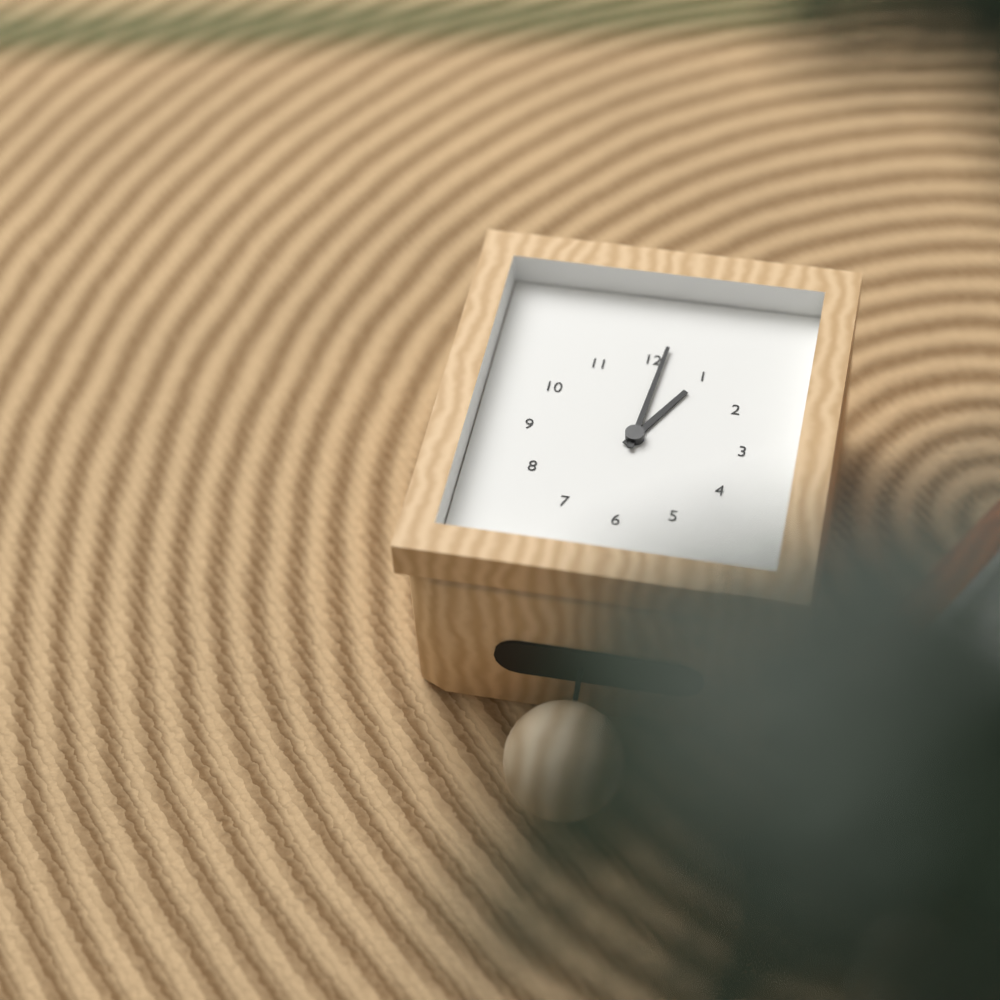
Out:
1 h 01 min
